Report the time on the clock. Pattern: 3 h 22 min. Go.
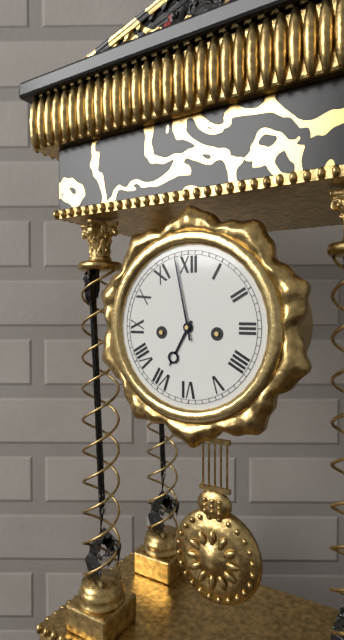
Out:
6 h 58 min
